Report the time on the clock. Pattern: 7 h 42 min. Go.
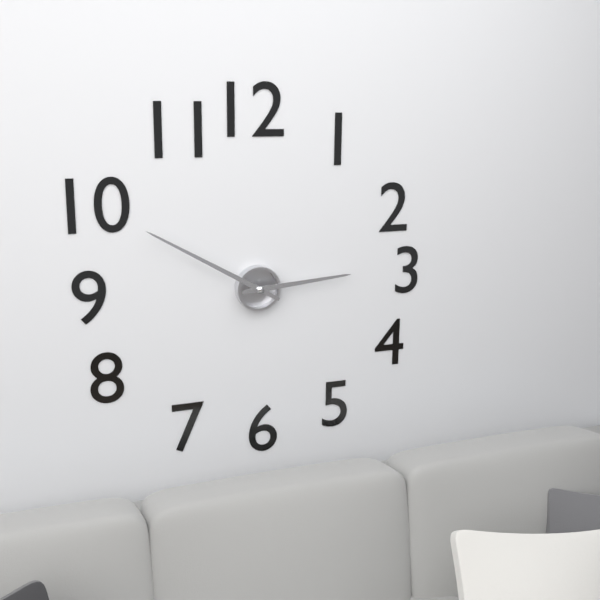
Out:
2 h 50 min
